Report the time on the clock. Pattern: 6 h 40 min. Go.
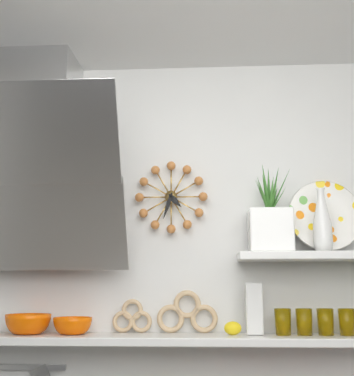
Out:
4 h 33 min
